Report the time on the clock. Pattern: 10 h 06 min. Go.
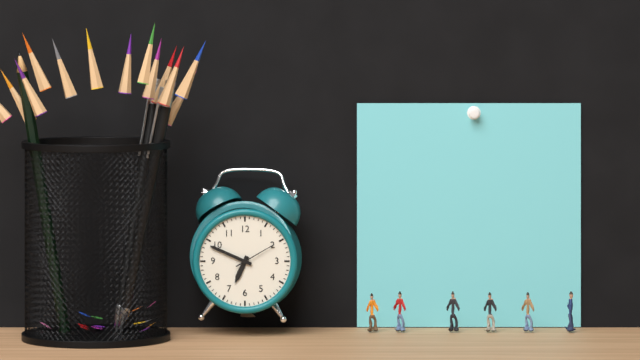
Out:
6 h 49 min
